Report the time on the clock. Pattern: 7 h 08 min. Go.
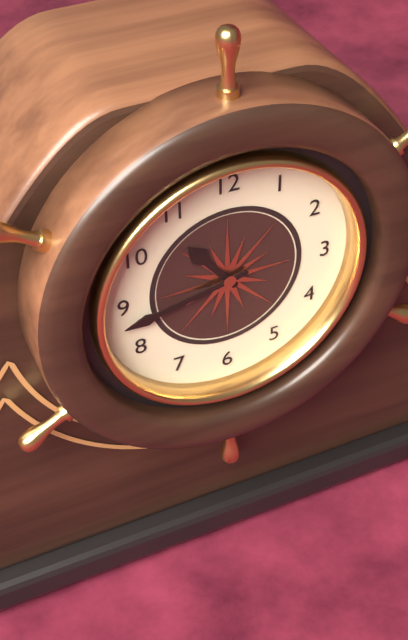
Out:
10 h 43 min
